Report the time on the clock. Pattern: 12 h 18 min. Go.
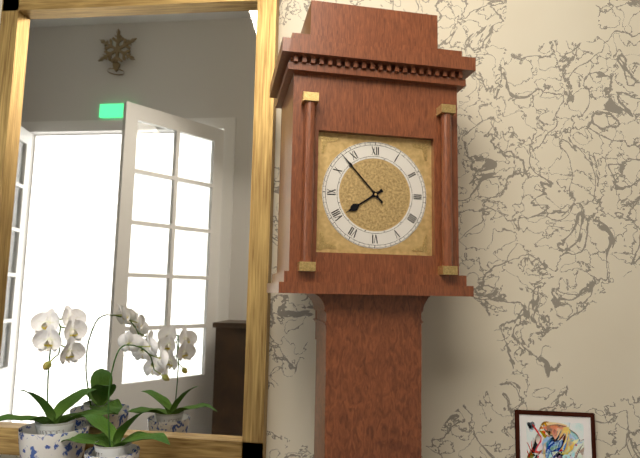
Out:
7 h 53 min
